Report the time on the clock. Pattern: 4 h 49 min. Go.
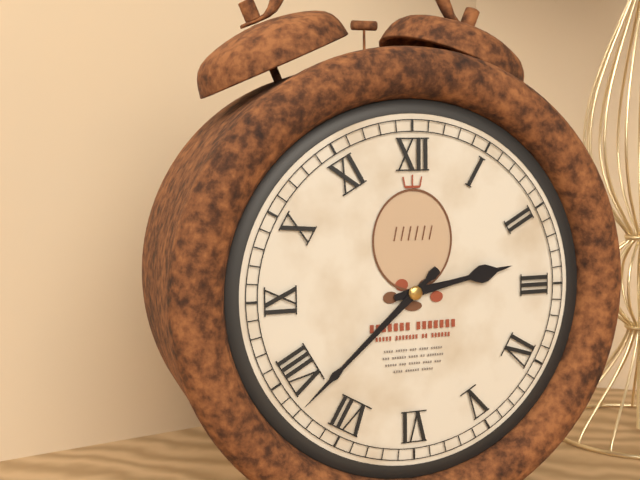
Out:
2 h 38 min
